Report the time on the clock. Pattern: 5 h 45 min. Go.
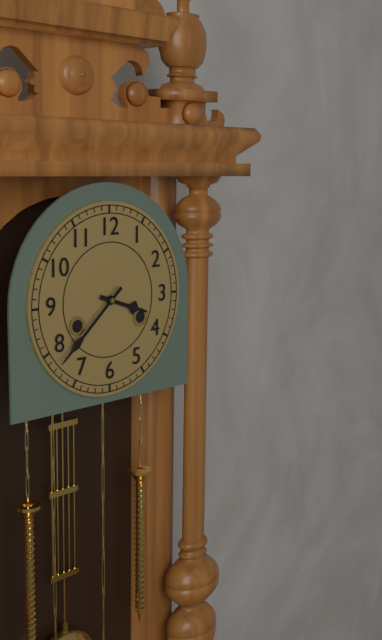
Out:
3 h 38 min
